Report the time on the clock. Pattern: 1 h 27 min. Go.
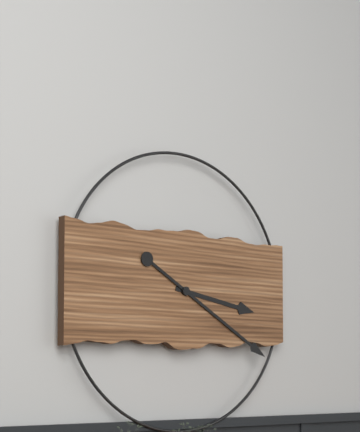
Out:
3 h 20 min
